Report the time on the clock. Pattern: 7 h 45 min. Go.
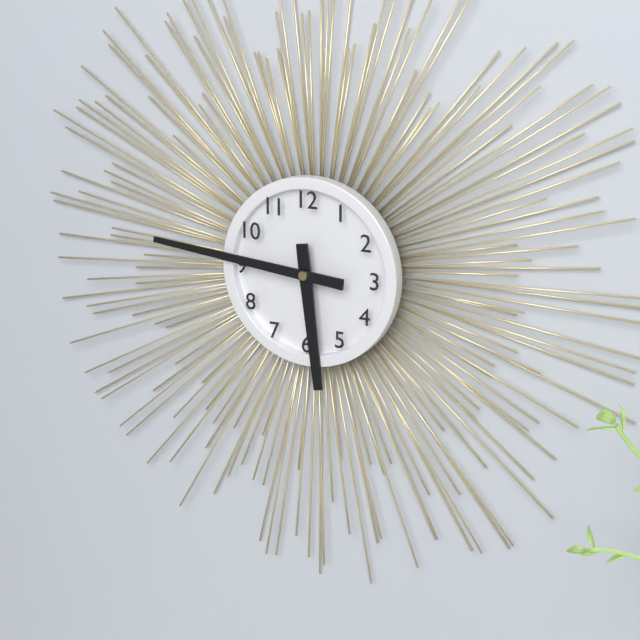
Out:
5 h 46 min
